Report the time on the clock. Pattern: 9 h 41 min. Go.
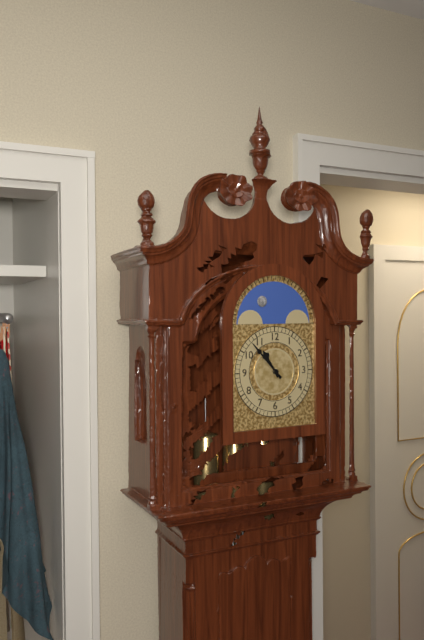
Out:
10 h 53 min
